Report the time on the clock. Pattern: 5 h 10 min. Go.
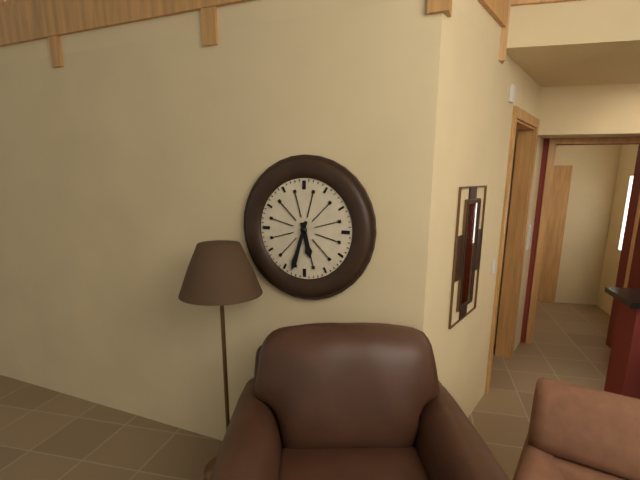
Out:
5 h 33 min
